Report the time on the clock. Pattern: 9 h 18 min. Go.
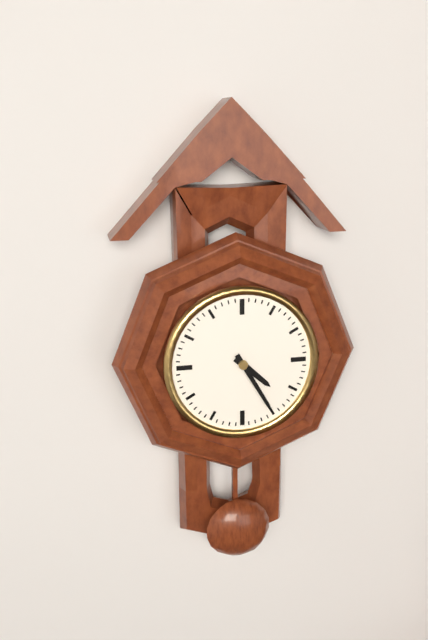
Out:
4 h 25 min
